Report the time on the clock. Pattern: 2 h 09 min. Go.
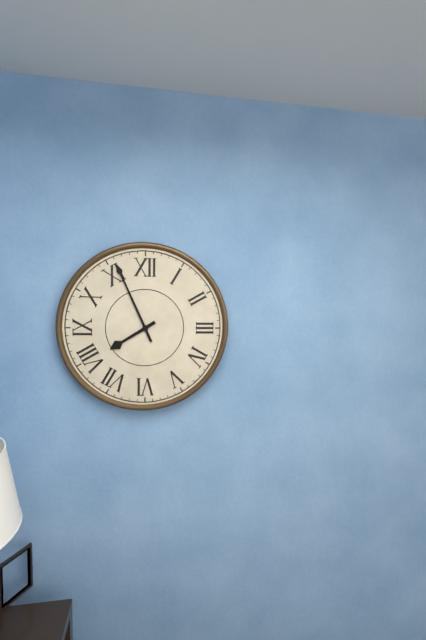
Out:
7 h 56 min
